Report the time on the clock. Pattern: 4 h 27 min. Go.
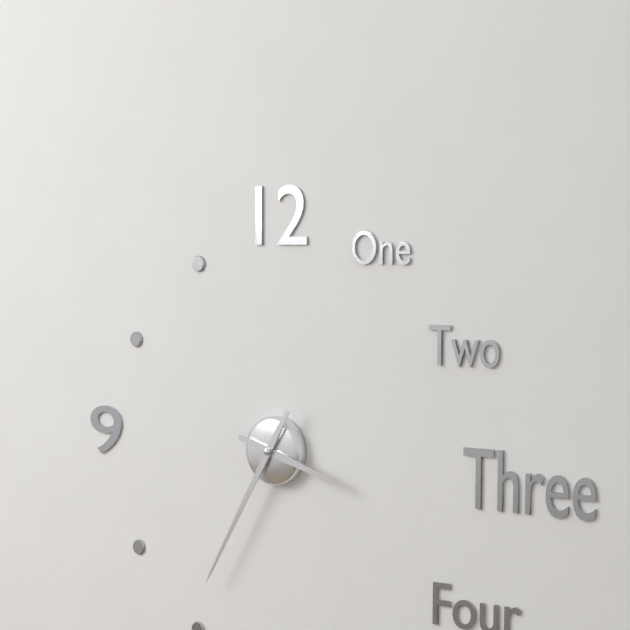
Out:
3 h 35 min
